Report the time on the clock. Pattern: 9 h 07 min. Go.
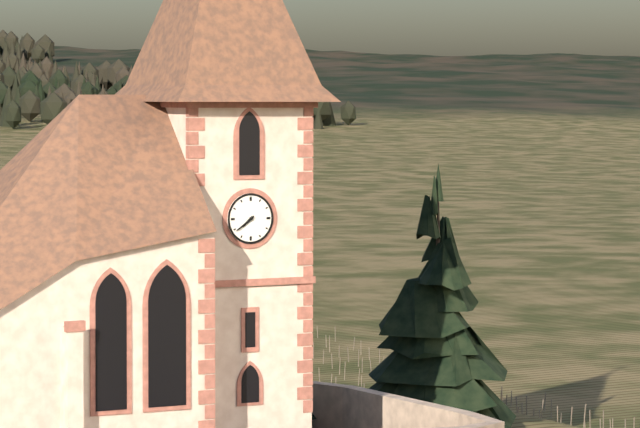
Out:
7 h 39 min
